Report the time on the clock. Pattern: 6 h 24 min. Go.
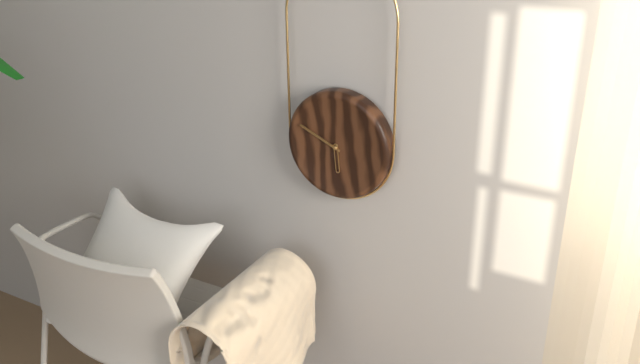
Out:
5 h 49 min
